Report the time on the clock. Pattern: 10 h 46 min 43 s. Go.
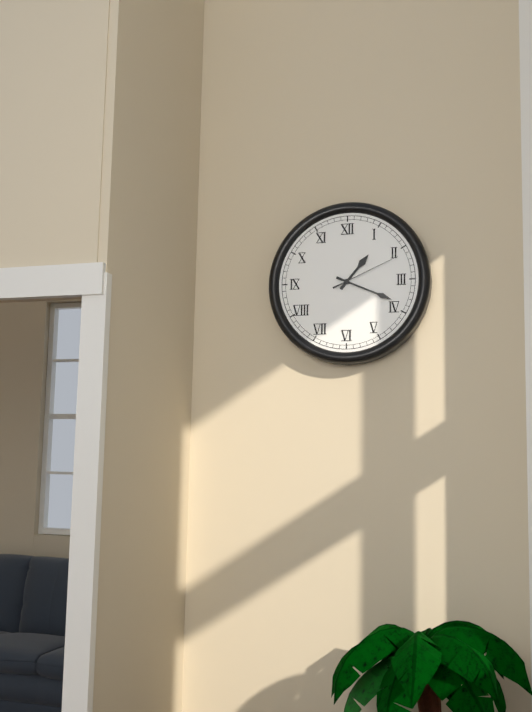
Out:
1 h 19 min 11 s
